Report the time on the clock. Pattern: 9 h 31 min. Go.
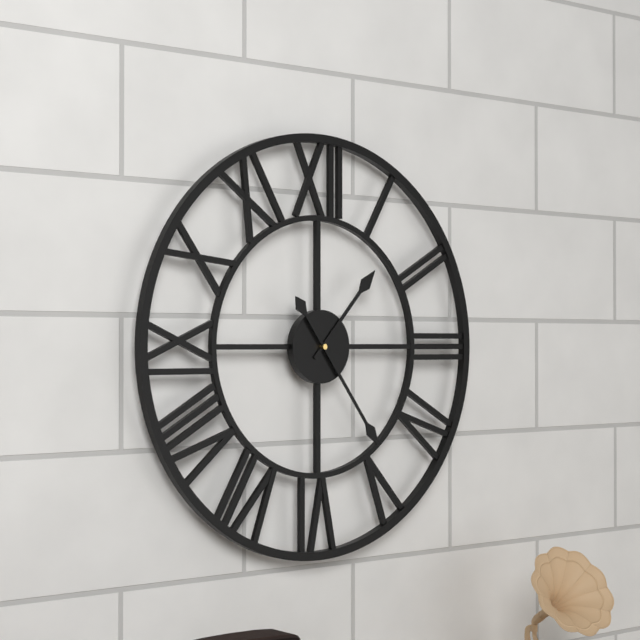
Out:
1 h 24 min
